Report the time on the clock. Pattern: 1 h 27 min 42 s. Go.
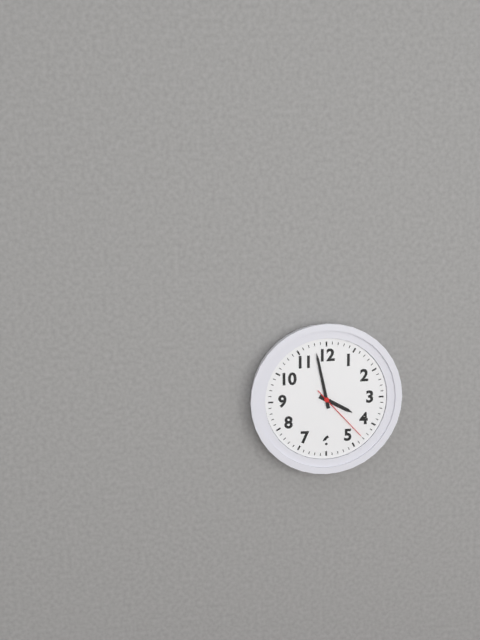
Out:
3 h 58 min 23 s
